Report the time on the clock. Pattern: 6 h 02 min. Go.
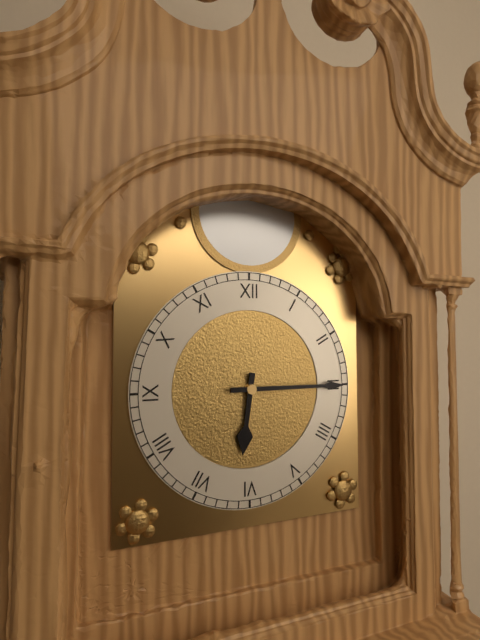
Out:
6 h 15 min
